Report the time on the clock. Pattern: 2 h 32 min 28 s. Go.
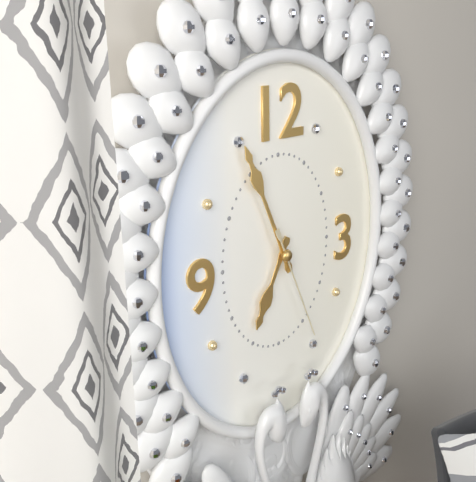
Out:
6 h 56 min 26 s
